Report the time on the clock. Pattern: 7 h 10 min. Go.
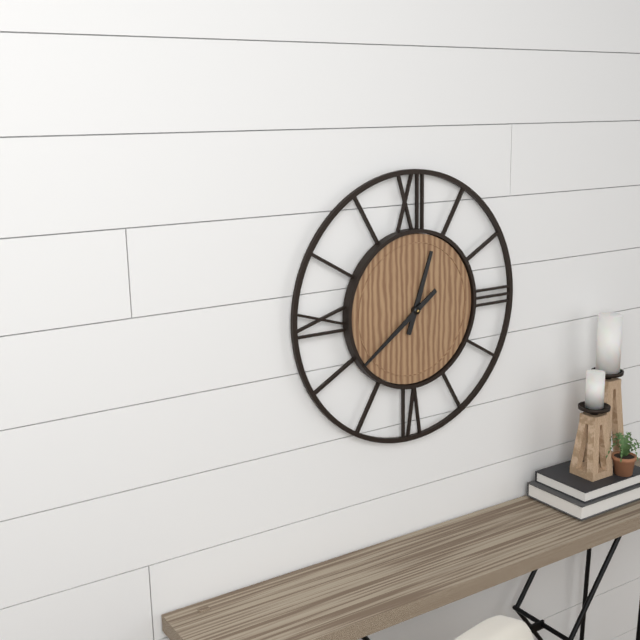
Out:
12 h 39 min
